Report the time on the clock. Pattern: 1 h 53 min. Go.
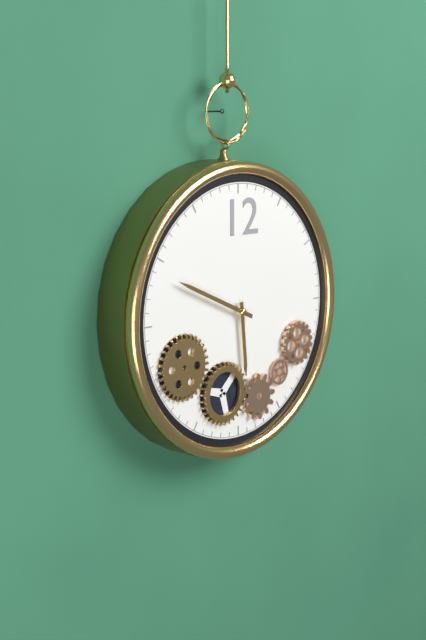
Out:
5 h 49 min
